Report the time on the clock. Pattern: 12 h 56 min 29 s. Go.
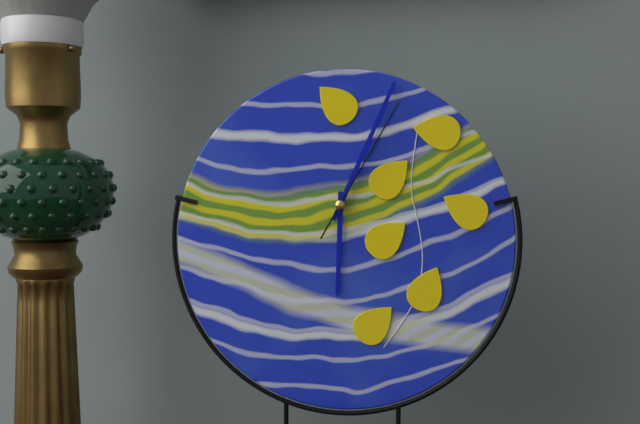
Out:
6 h 04 min 05 s
